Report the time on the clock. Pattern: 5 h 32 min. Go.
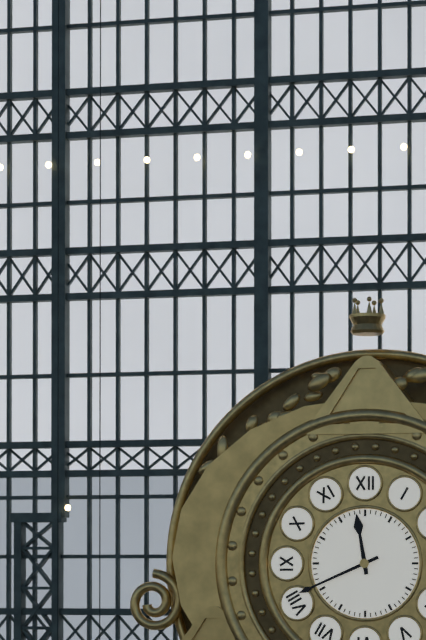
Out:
11 h 41 min
